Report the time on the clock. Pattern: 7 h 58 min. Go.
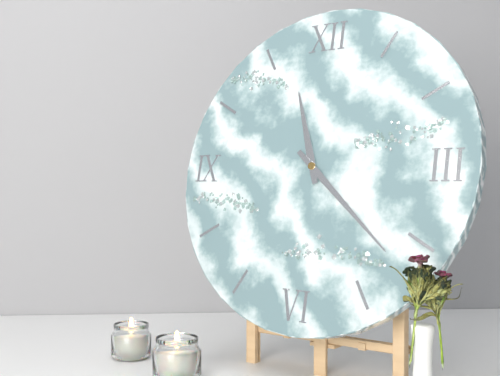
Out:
11 h 22 min
